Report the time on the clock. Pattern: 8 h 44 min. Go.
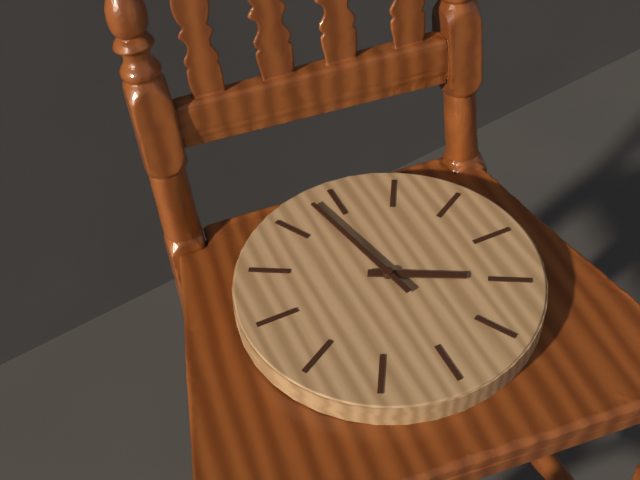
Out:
3 h 58 min
